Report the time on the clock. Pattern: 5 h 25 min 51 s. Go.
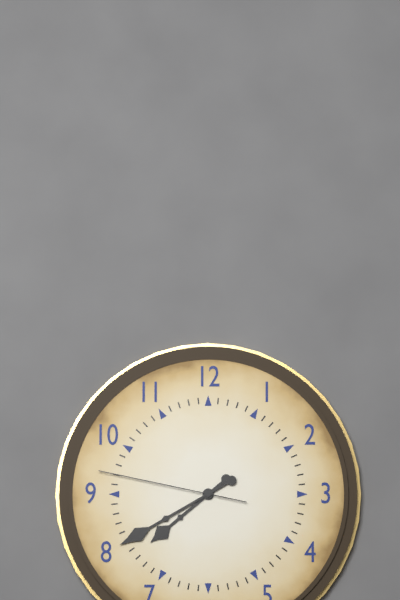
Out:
7 h 40 min 47 s
